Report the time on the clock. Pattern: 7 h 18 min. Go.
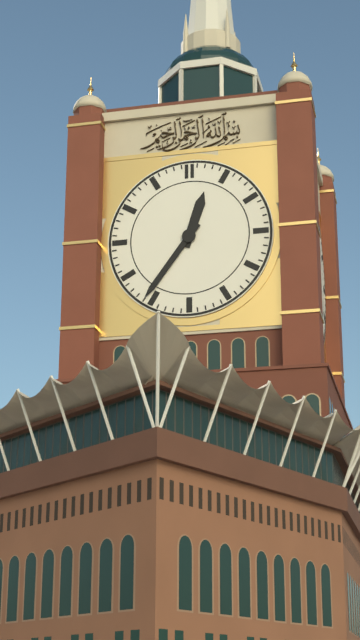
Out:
12 h 36 min
